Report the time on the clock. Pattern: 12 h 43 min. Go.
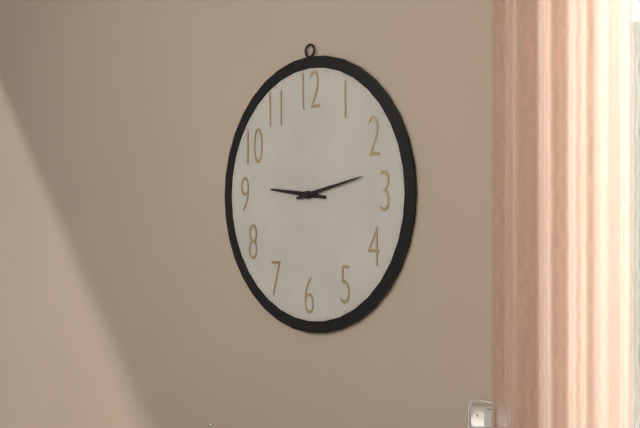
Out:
9 h 13 min
